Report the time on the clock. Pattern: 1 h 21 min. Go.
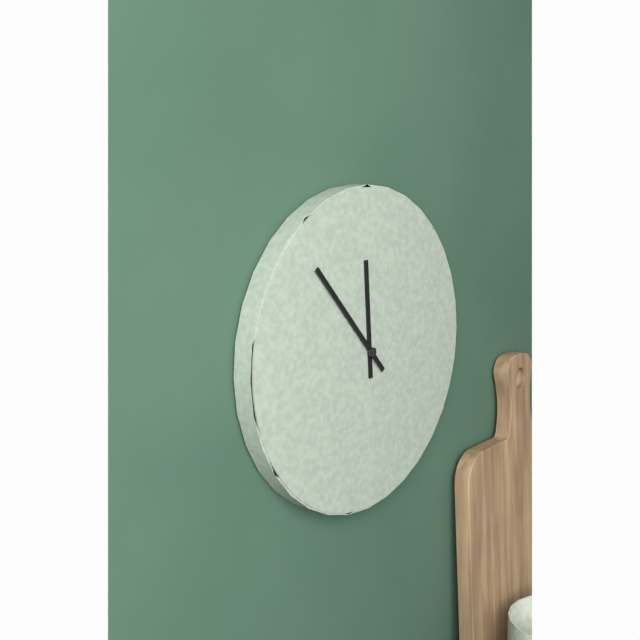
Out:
11 h 53 min
